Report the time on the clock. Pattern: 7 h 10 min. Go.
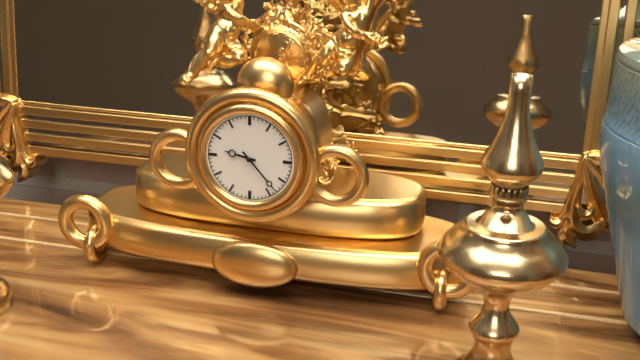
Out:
9 h 23 min
